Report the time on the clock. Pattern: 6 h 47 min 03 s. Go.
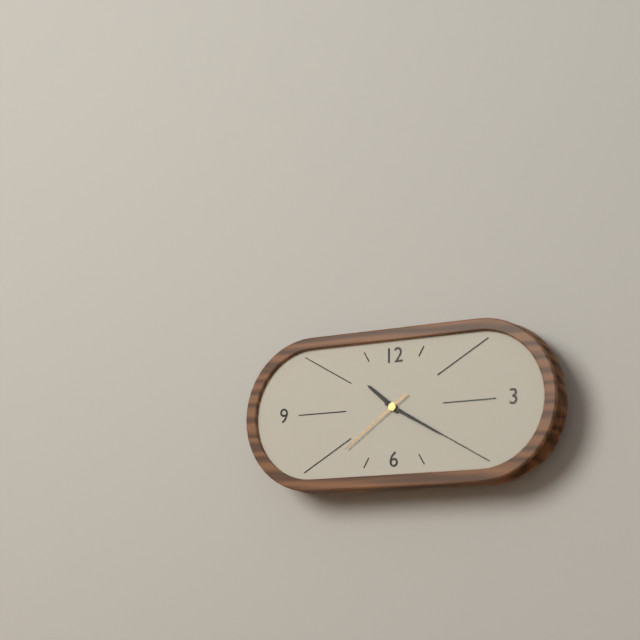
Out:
10 h 20 min 39 s
